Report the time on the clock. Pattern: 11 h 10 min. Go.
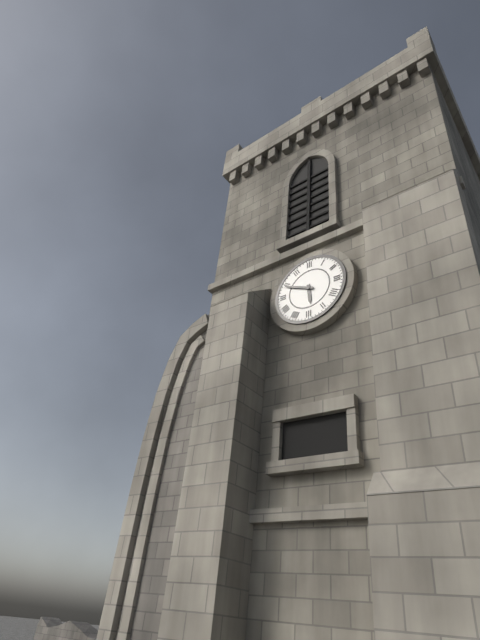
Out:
5 h 49 min
